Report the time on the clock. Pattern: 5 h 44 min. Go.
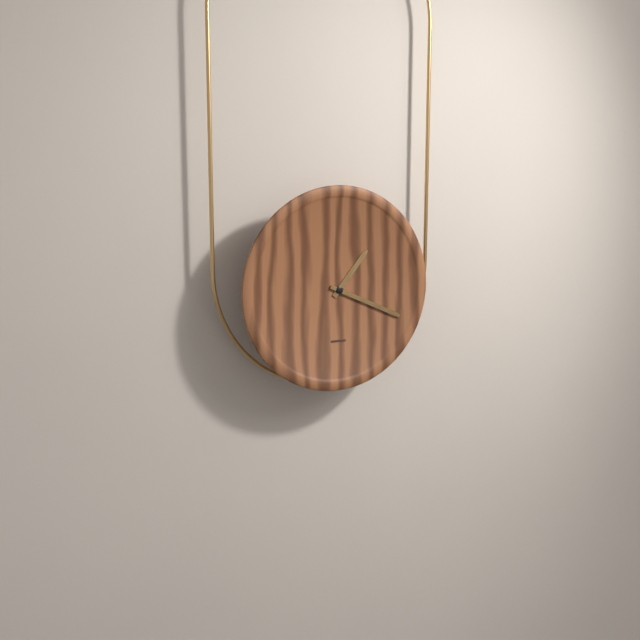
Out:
1 h 19 min
